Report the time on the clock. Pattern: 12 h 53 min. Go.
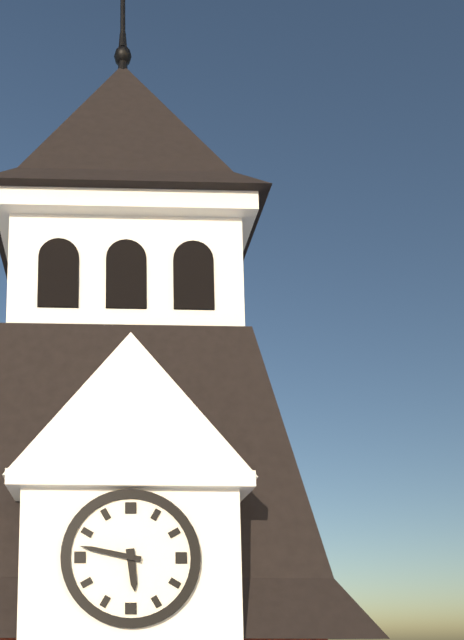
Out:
5 h 47 min
